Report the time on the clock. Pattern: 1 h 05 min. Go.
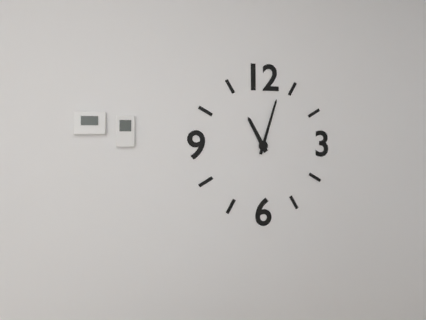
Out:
11 h 03 min
